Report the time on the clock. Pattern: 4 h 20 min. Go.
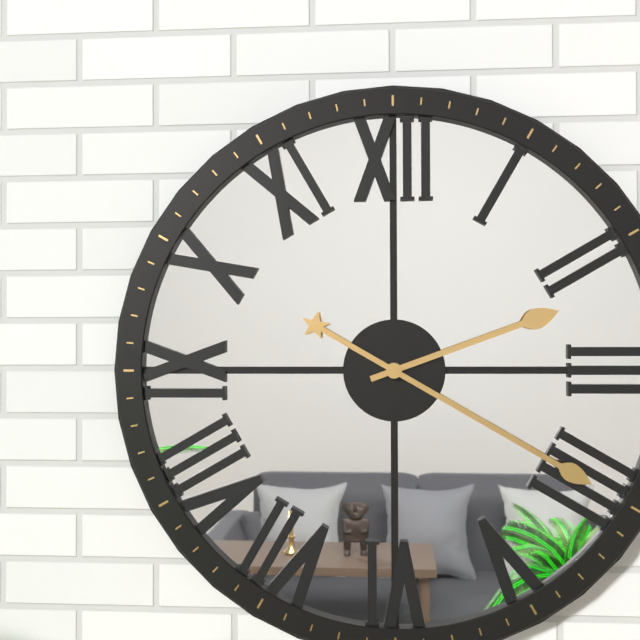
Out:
2 h 20 min
